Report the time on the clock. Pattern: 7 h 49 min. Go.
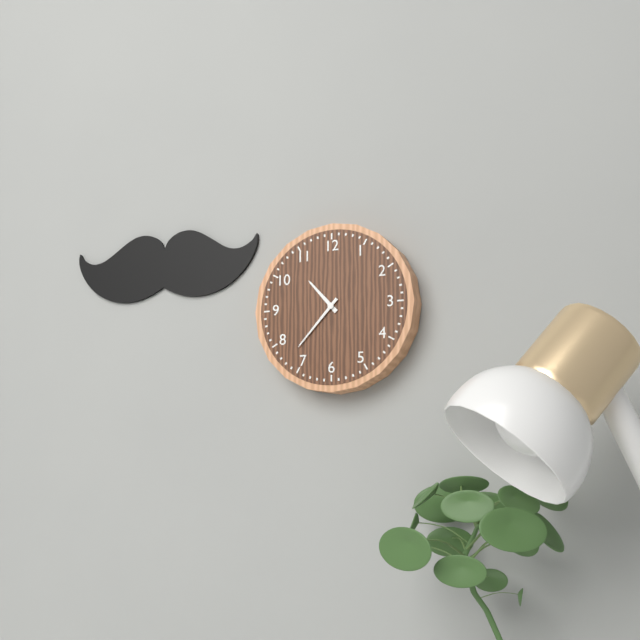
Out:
10 h 37 min
